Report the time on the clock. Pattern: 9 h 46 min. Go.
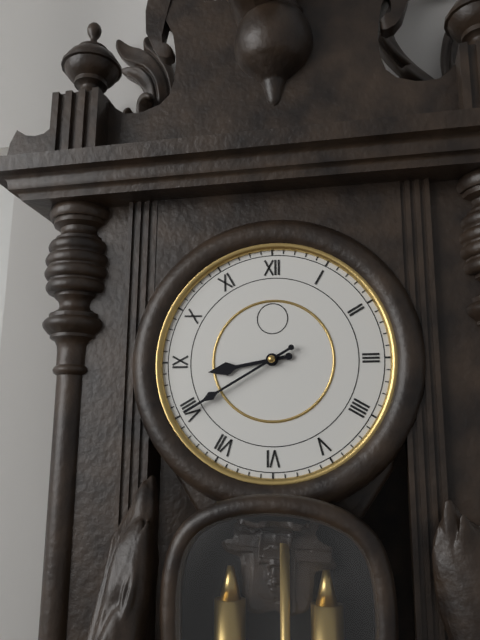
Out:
8 h 40 min
